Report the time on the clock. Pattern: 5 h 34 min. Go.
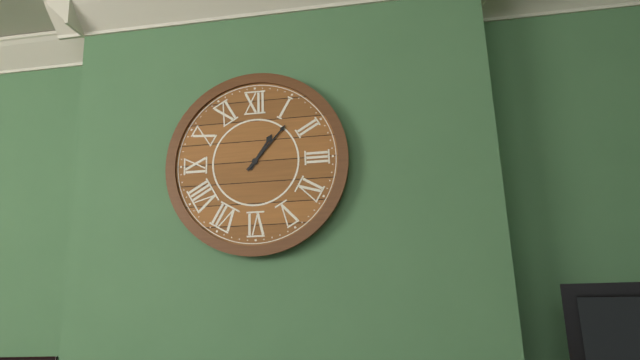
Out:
1 h 07 min
